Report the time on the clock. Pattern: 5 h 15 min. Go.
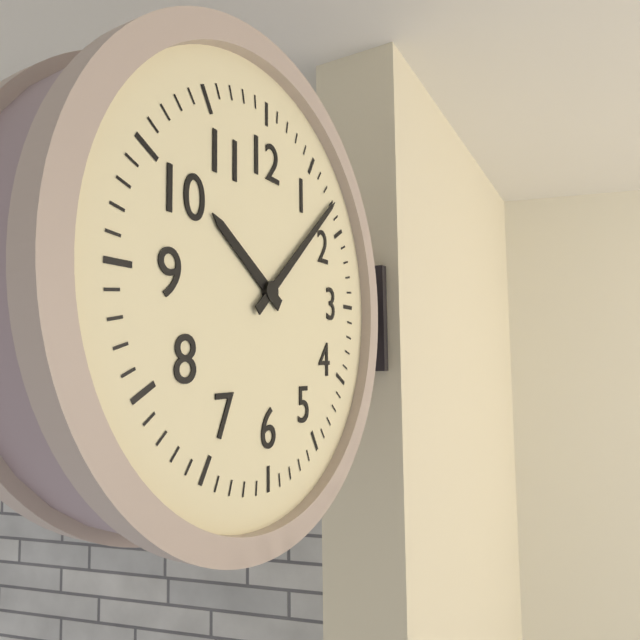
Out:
10 h 08 min
